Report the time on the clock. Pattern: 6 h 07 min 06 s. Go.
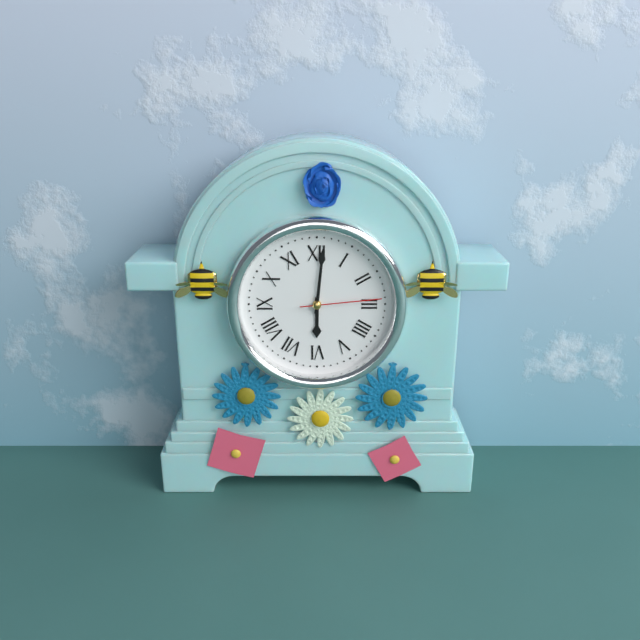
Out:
6 h 01 min 14 s
